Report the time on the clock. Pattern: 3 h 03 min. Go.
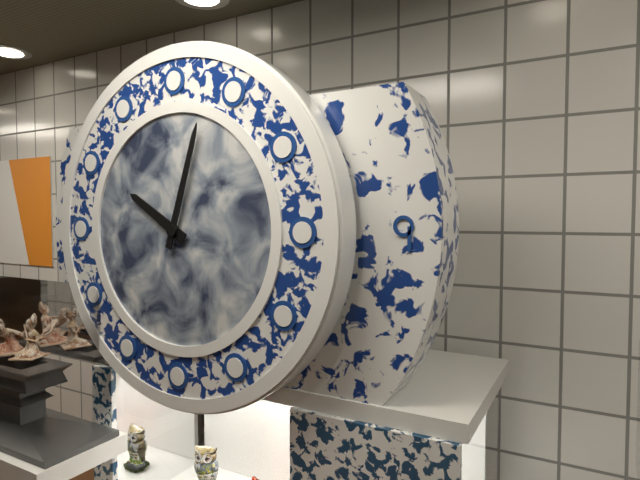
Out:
10 h 03 min
